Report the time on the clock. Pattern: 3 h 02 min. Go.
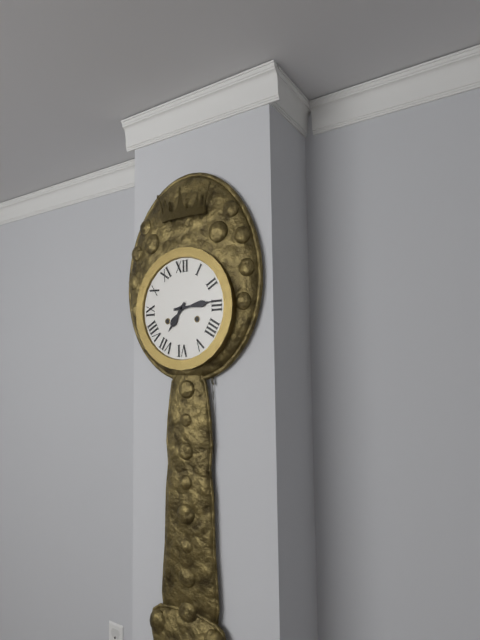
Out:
7 h 14 min
